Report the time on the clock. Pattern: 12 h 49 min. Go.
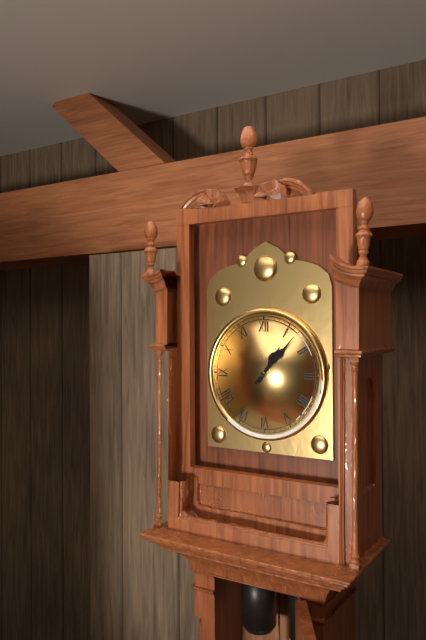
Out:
1 h 07 min
